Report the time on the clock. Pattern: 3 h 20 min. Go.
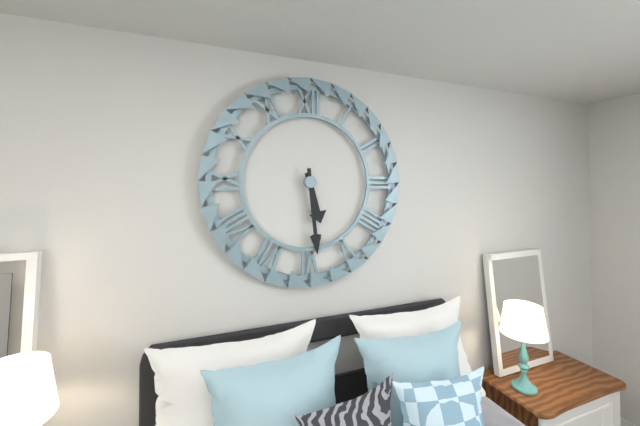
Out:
5 h 29 min
